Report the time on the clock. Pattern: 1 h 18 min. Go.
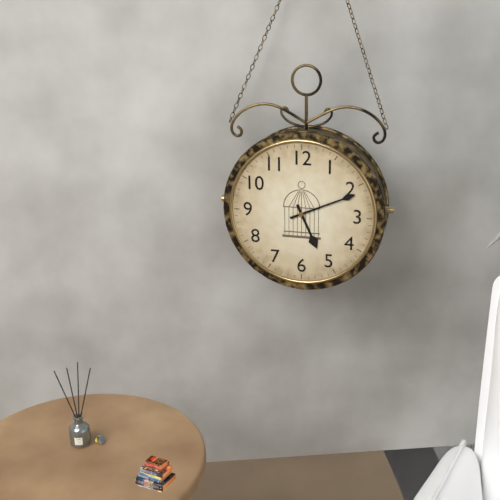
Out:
5 h 11 min
